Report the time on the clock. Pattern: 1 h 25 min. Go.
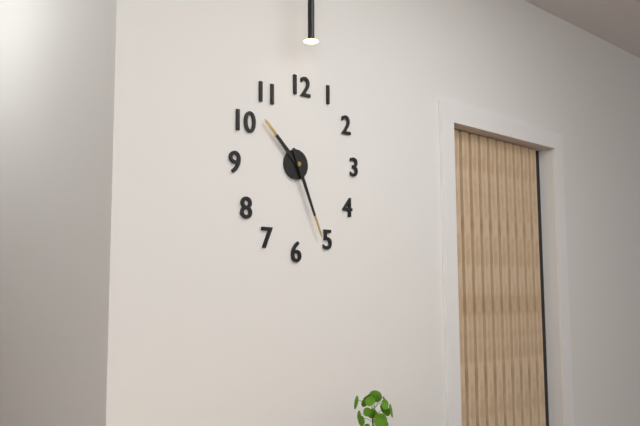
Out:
10 h 26 min
